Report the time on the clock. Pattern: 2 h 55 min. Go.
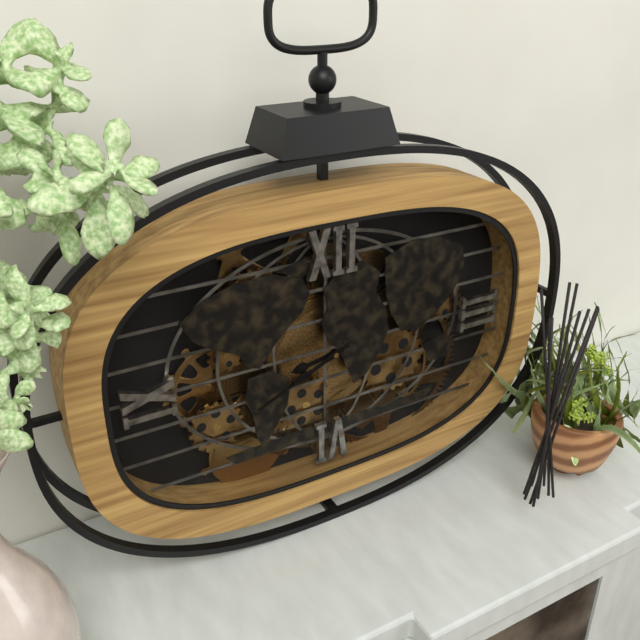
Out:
8 h 41 min
